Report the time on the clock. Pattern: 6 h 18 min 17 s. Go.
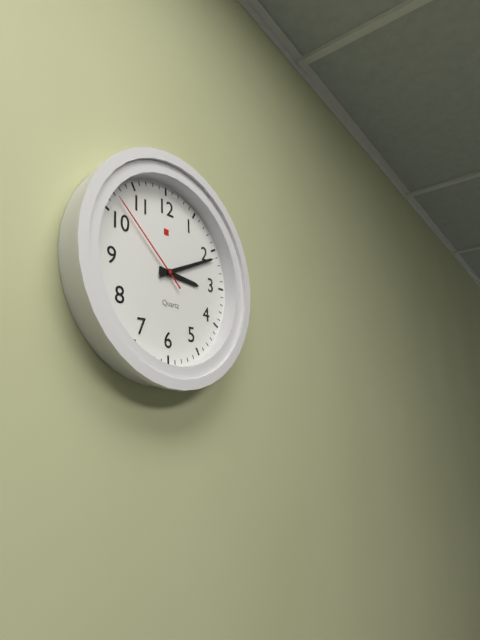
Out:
3 h 11 min 52 s
